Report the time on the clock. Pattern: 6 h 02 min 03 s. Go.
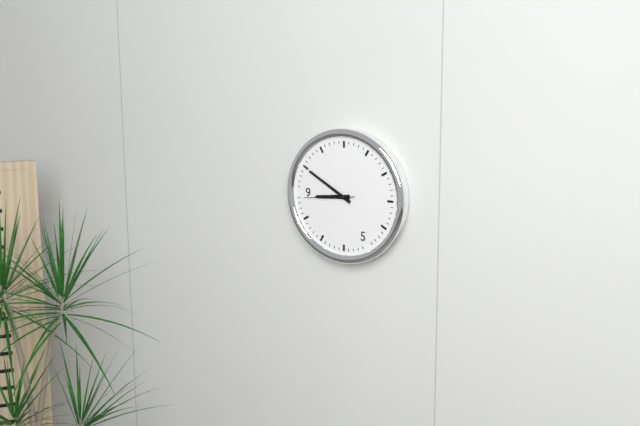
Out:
8 h 50 min 44 s
